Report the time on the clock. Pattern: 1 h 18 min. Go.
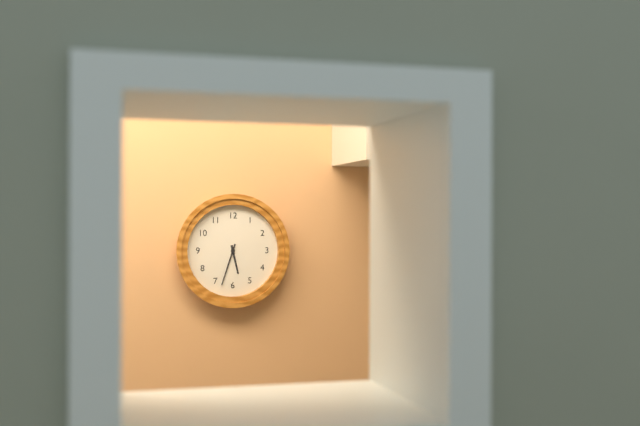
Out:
5 h 33 min
